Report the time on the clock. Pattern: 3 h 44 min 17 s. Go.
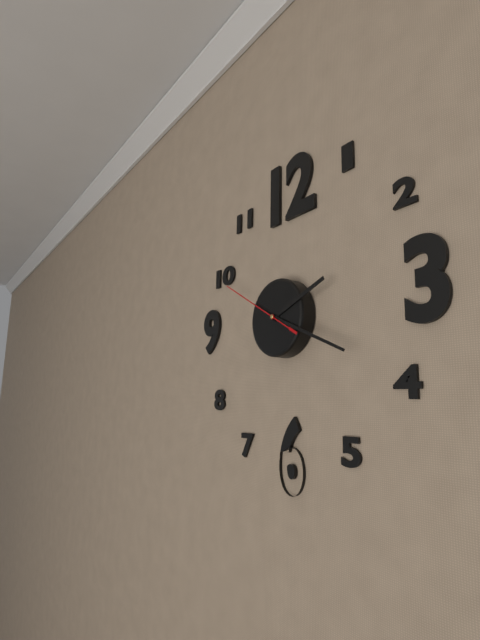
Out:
2 h 19 min 50 s
